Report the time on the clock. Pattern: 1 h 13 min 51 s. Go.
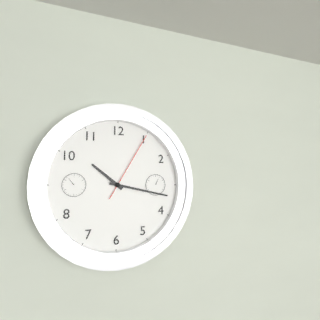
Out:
10 h 17 min 05 s
